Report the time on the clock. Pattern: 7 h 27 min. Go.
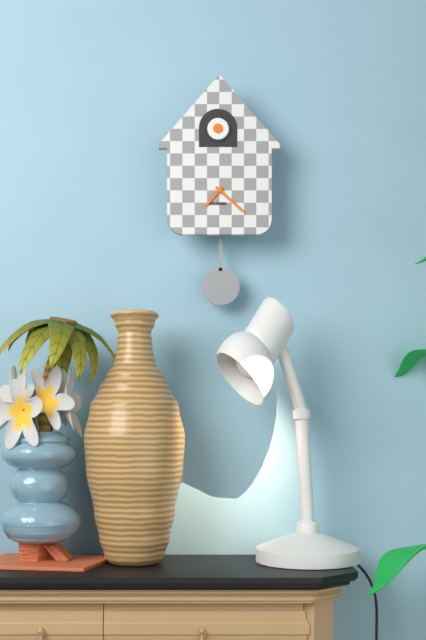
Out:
7 h 22 min
